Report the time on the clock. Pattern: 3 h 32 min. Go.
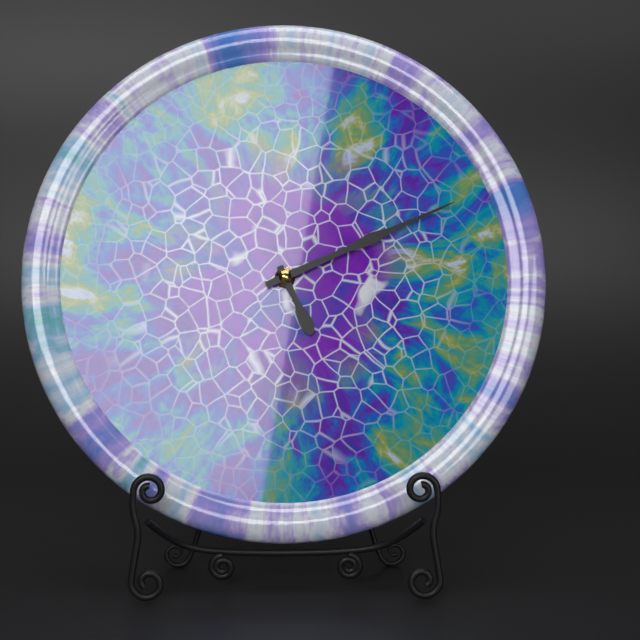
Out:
5 h 11 min
